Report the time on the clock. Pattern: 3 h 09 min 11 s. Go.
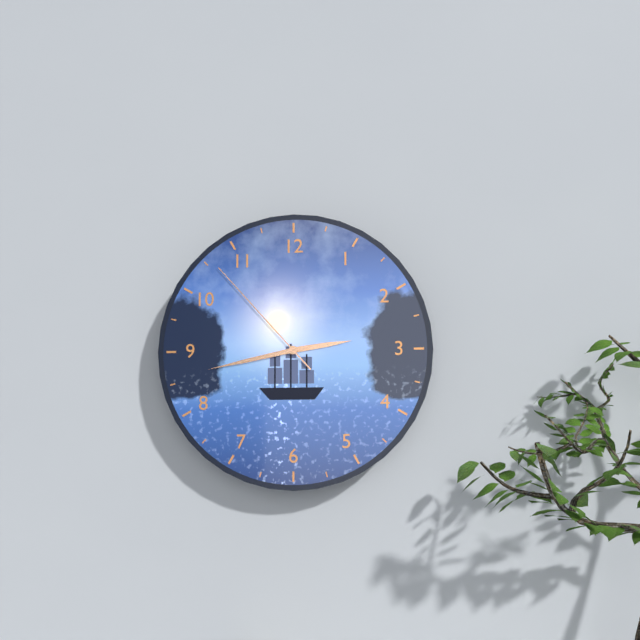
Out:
2 h 43 min 53 s
